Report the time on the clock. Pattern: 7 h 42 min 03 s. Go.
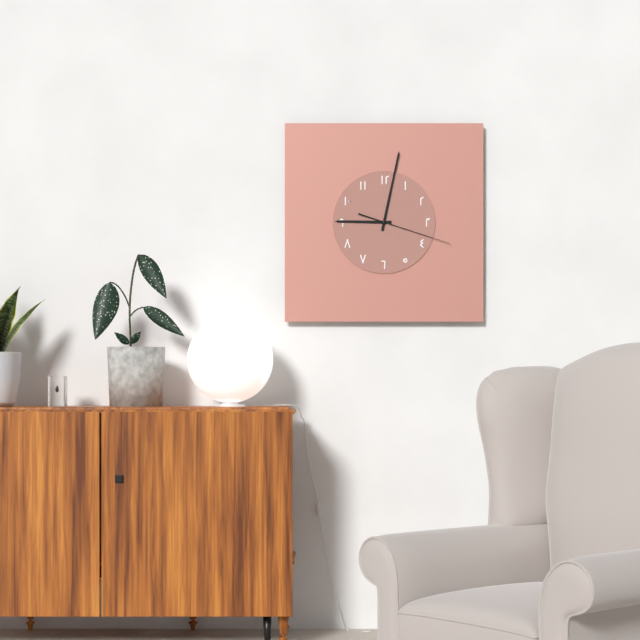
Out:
9 h 02 min 18 s
